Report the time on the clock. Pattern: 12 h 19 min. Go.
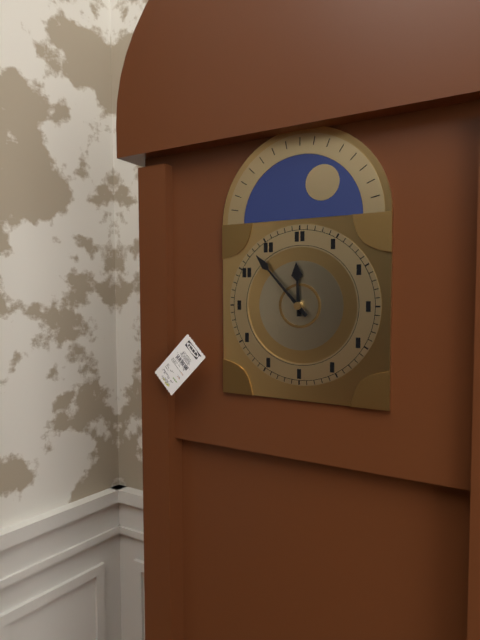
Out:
11 h 53 min
